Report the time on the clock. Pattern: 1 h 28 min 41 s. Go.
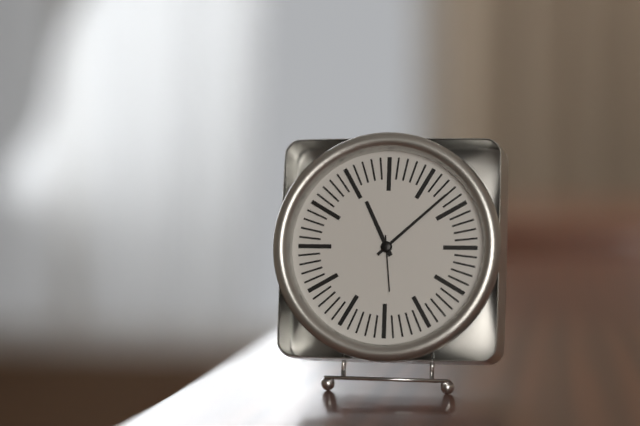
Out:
11 h 08 min 29 s
